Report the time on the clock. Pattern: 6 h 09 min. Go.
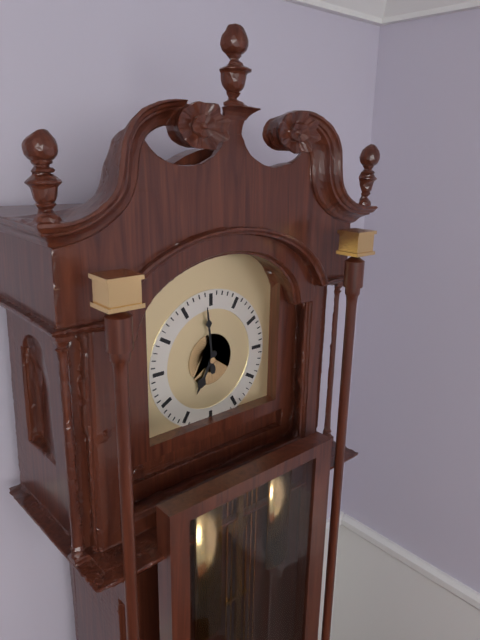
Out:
6 h 59 min
